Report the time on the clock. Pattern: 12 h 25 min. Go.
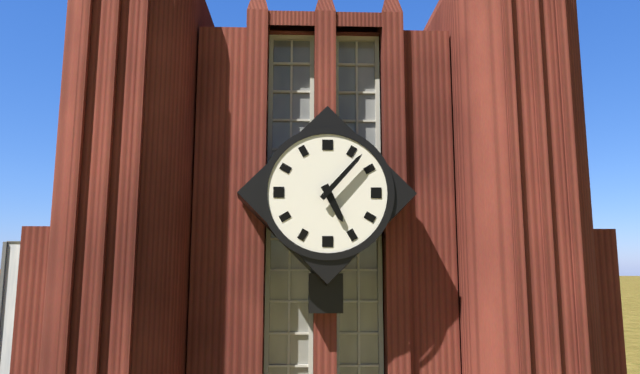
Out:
5 h 07 min
